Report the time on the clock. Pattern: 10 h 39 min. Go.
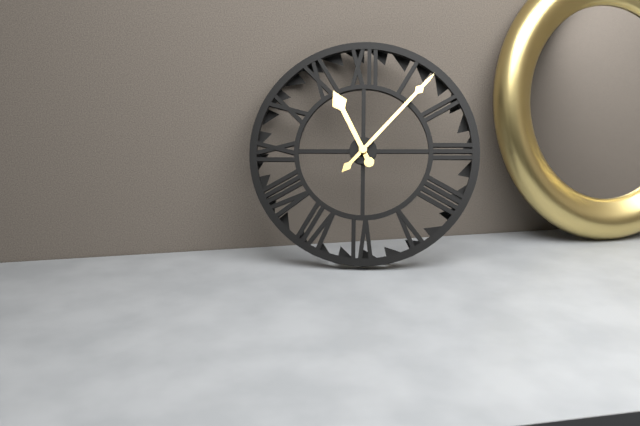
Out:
11 h 07 min
